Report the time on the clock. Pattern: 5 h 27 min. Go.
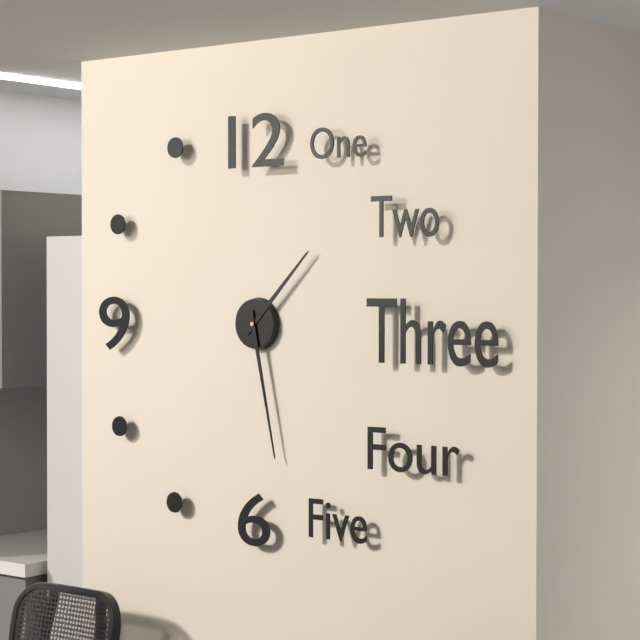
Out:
1 h 28 min
